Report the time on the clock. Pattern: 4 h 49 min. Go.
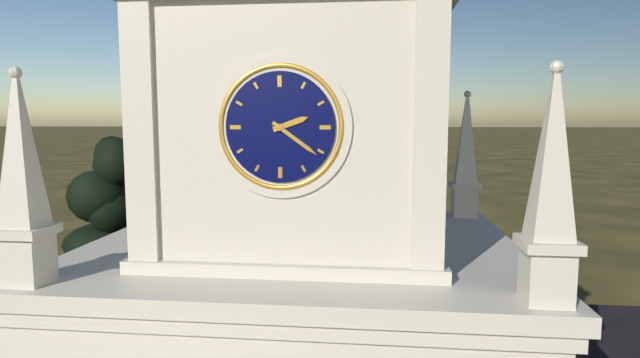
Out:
2 h 21 min
